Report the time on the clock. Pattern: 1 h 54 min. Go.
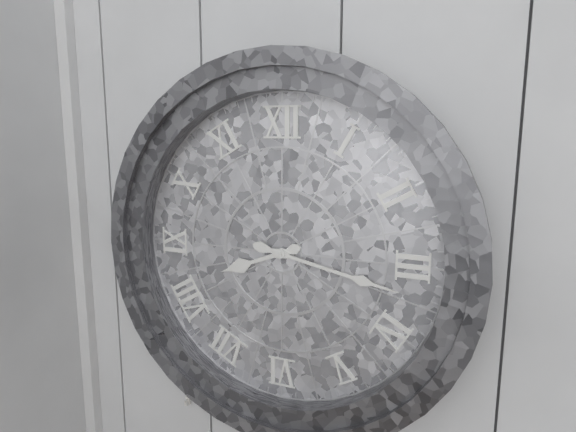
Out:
8 h 17 min
